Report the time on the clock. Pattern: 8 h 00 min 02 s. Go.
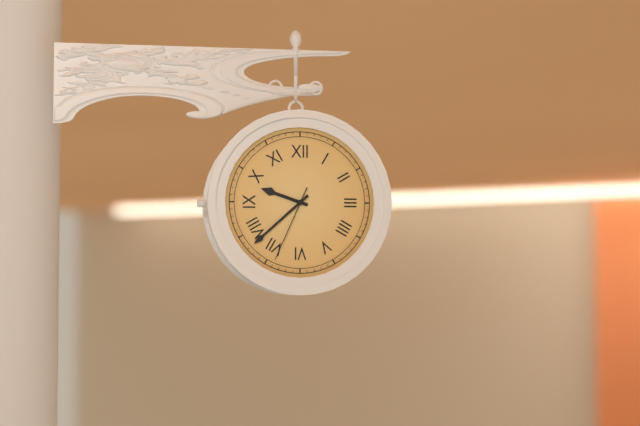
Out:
9 h 38 min 34 s
